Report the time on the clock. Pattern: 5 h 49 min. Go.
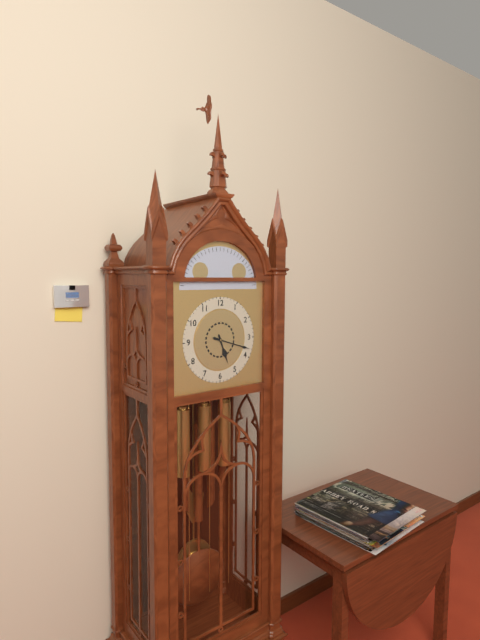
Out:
5 h 18 min
